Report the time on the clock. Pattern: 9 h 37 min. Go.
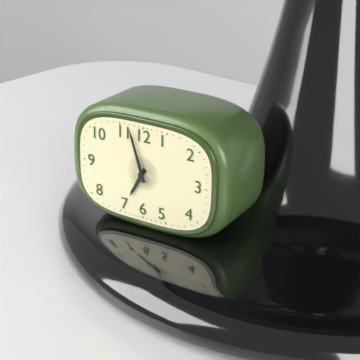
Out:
6 h 57 min
